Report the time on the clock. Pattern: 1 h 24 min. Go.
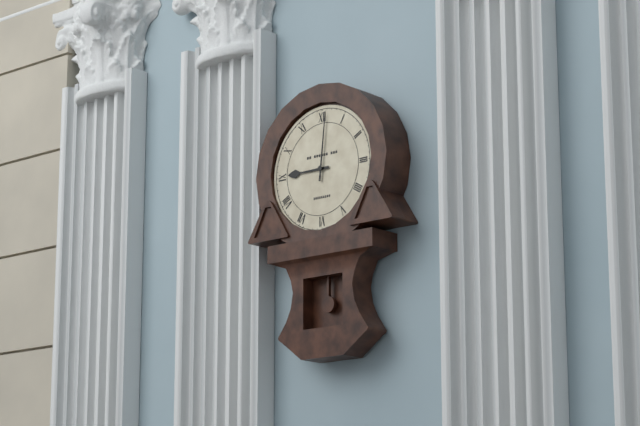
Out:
9 h 01 min
